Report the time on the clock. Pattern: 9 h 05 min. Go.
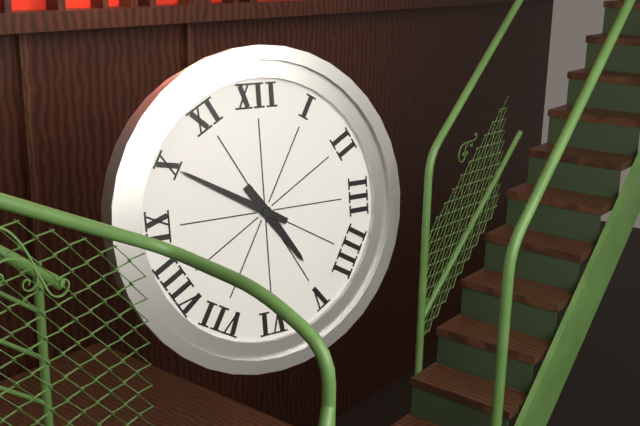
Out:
4 h 50 min
